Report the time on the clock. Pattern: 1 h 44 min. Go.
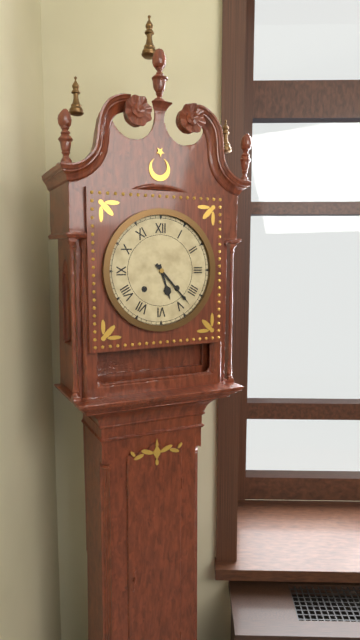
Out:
5 h 23 min
